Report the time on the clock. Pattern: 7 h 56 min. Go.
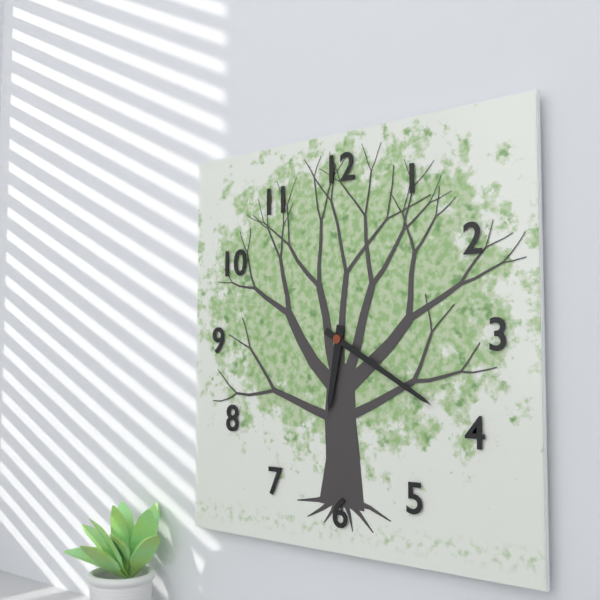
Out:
6 h 20 min
